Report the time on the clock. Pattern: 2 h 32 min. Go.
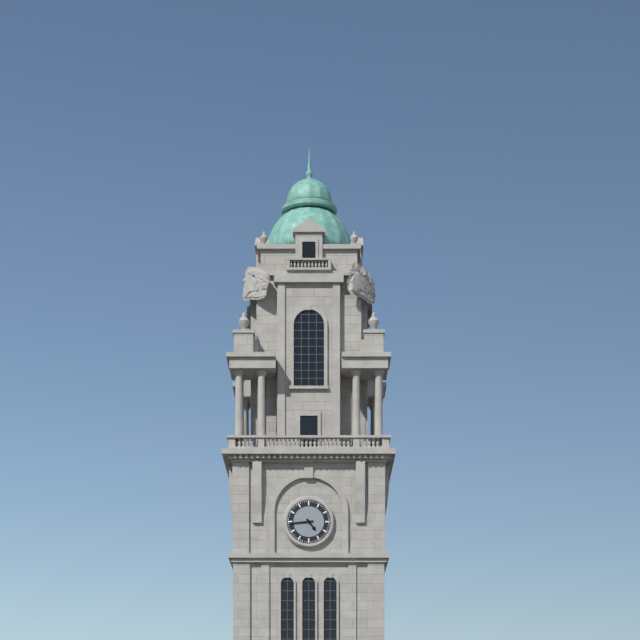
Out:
4 h 44 min
